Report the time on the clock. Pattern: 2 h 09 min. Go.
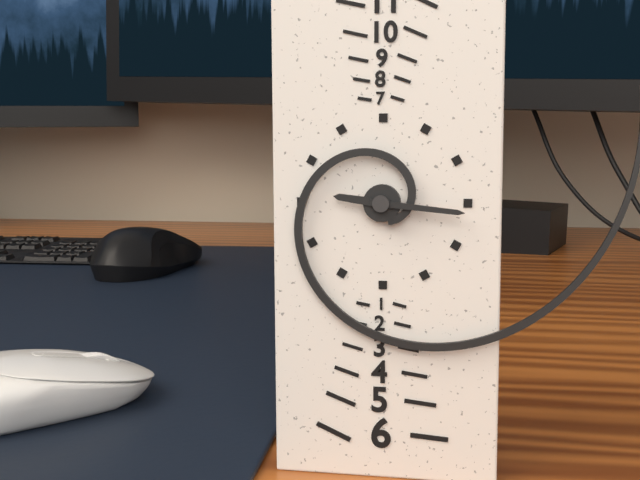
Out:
9 h 16 min
